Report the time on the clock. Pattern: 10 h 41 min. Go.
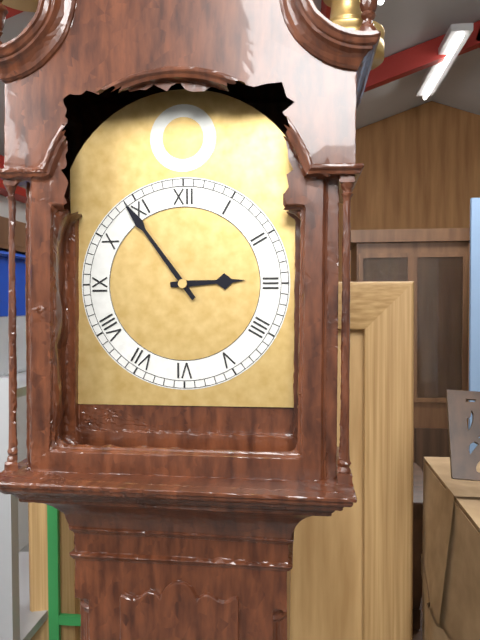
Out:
2 h 54 min
